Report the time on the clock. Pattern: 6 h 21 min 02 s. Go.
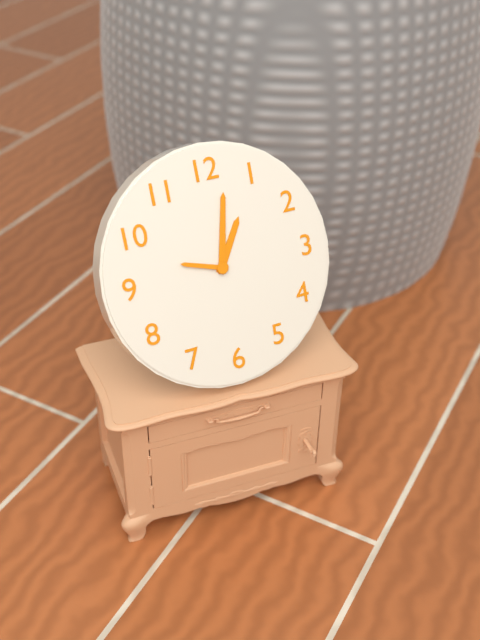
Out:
1 h 02 min 48 s
